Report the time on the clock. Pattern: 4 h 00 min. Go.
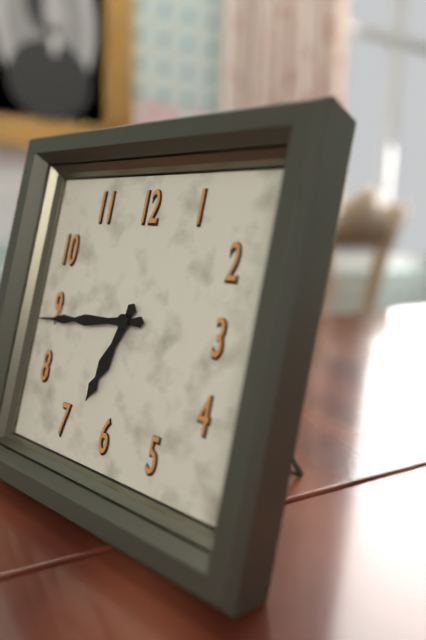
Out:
6 h 44 min
